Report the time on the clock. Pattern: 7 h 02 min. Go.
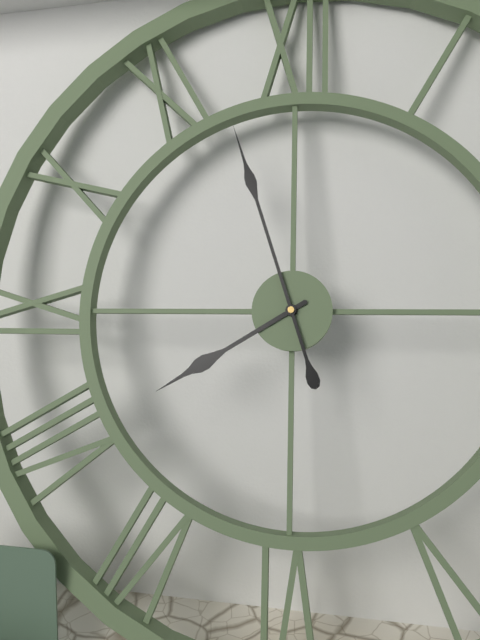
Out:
7 h 57 min
